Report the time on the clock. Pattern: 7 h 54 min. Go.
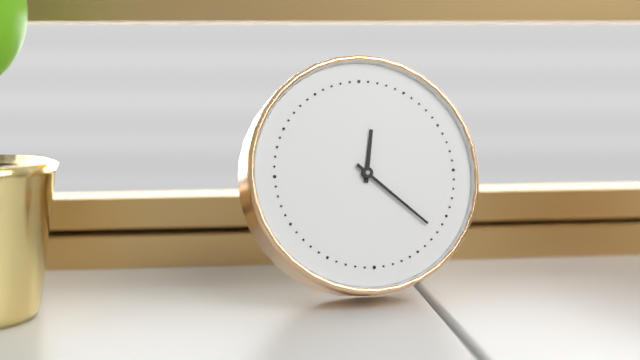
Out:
12 h 22 min
